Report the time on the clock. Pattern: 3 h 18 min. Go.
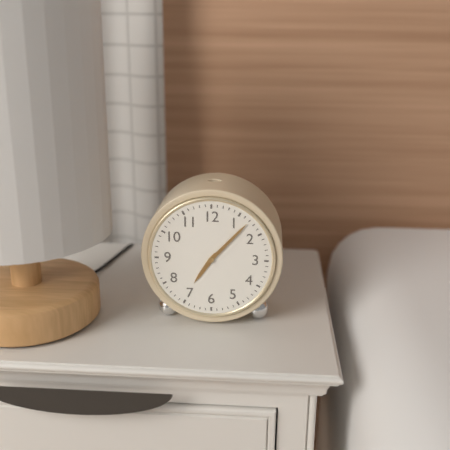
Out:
7 h 07 min
